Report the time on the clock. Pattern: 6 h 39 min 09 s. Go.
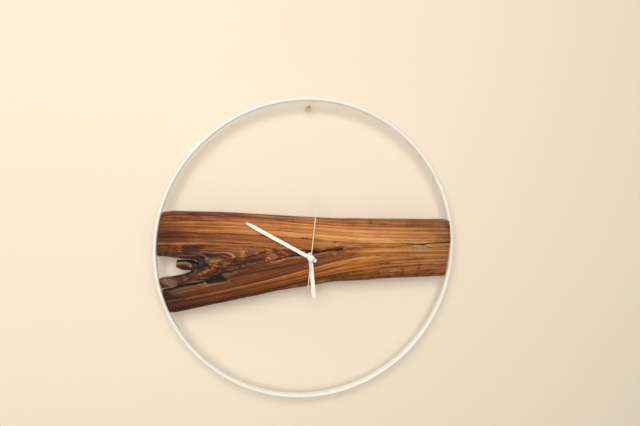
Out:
5 h 50 min 01 s
